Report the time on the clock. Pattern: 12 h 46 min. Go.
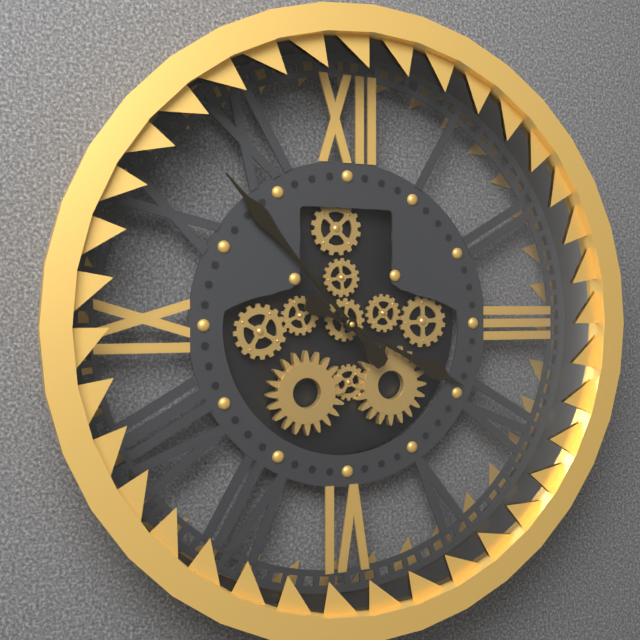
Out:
3 h 53 min
